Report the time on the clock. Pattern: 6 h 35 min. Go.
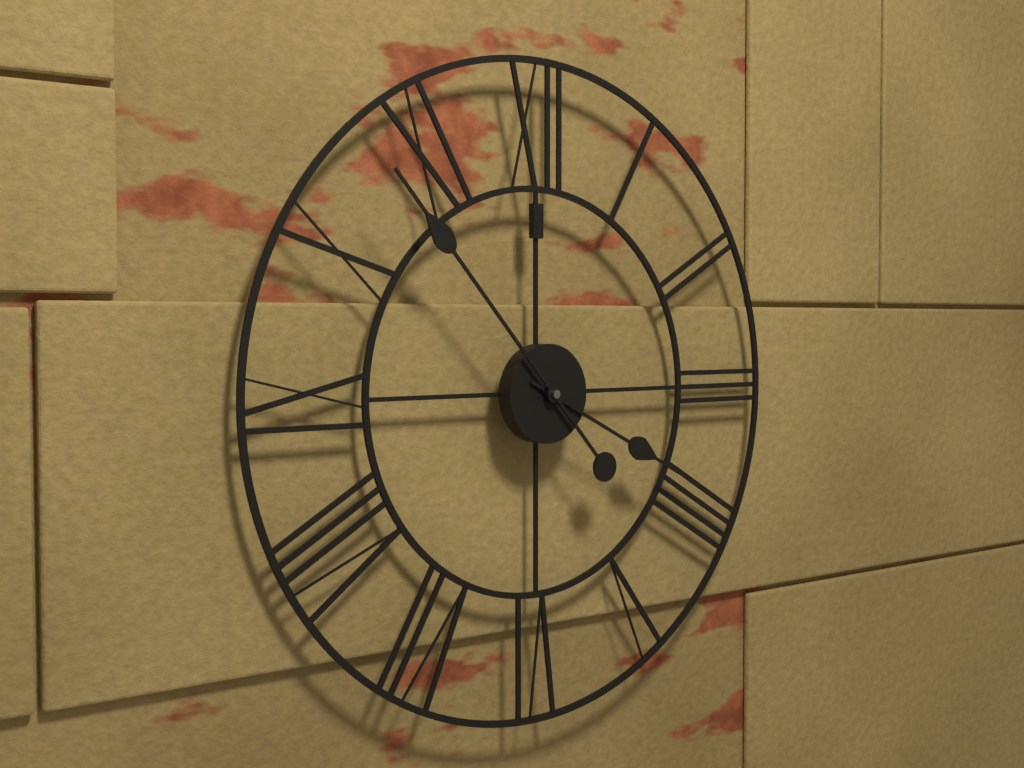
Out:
3 h 53 min
